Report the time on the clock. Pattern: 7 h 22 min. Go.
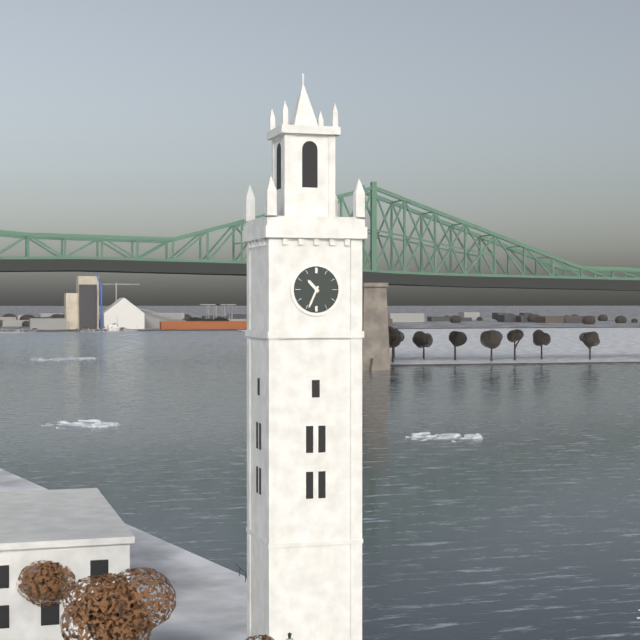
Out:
10 h 34 min
